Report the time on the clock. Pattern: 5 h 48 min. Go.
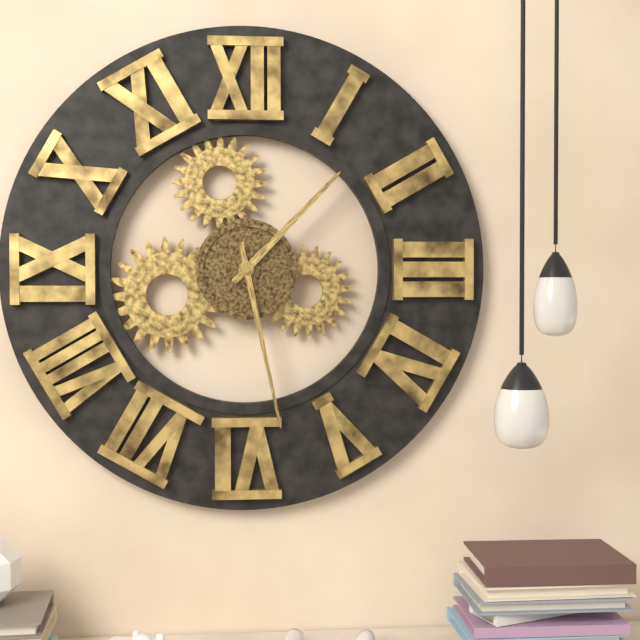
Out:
1 h 28 min
